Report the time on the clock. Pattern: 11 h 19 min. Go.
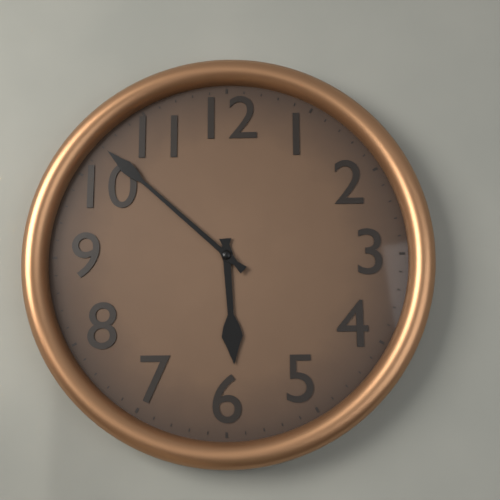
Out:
5 h 52 min
